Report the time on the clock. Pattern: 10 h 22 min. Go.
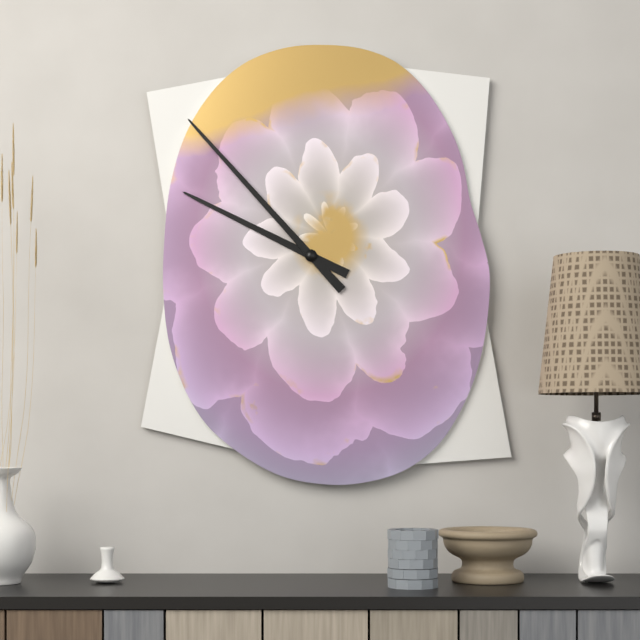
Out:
9 h 53 min
